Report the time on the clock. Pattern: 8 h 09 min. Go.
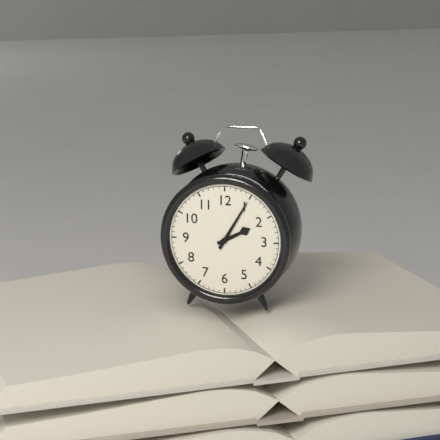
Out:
2 h 05 min
